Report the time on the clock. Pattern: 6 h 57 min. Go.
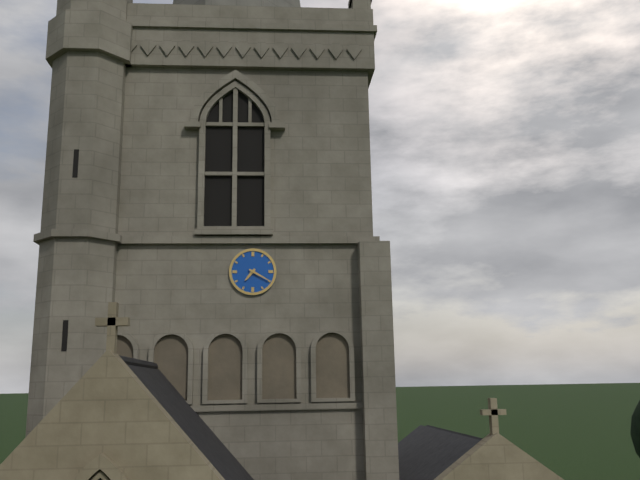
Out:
7 h 20 min
